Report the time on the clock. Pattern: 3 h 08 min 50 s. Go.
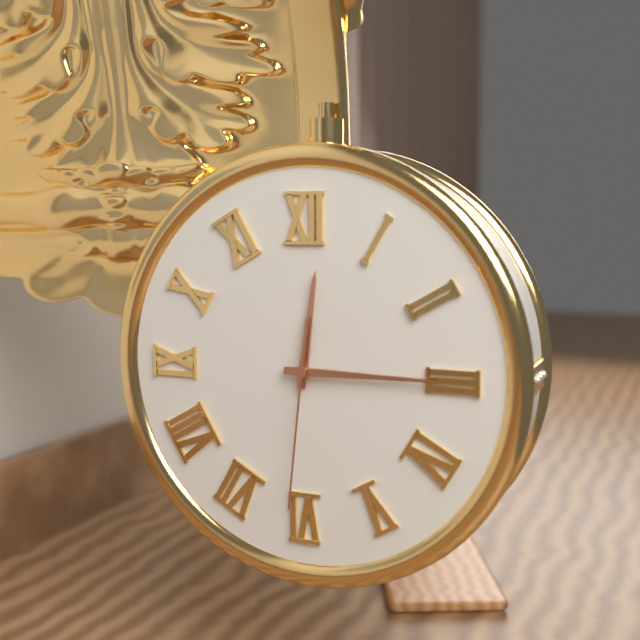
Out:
12 h 15 min 31 s
